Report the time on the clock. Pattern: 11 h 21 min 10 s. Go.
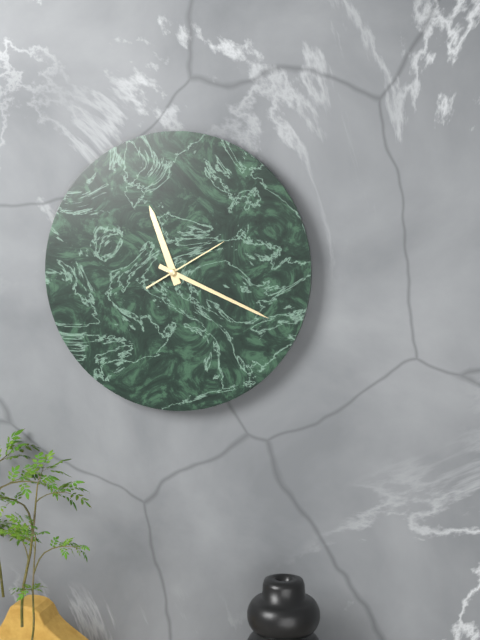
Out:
11 h 19 min 10 s
